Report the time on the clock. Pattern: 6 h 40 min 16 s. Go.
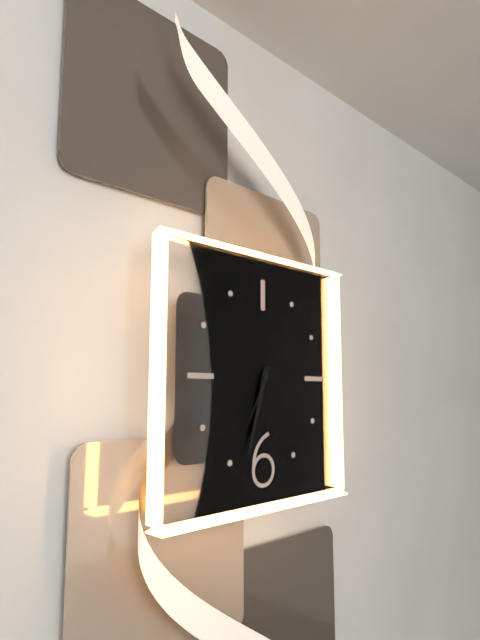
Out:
6 h 33 min 35 s
